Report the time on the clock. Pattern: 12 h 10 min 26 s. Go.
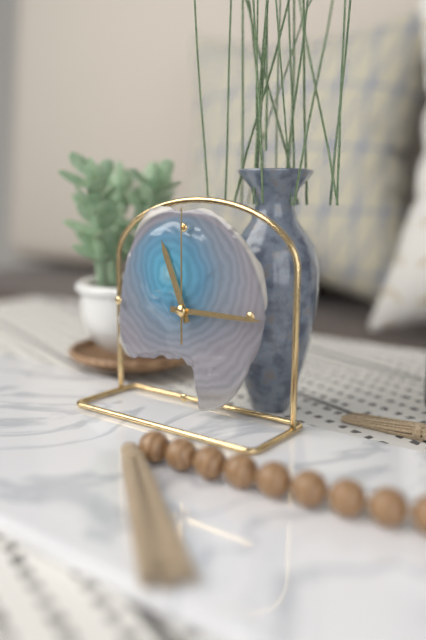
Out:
11 h 15 min 00 s
